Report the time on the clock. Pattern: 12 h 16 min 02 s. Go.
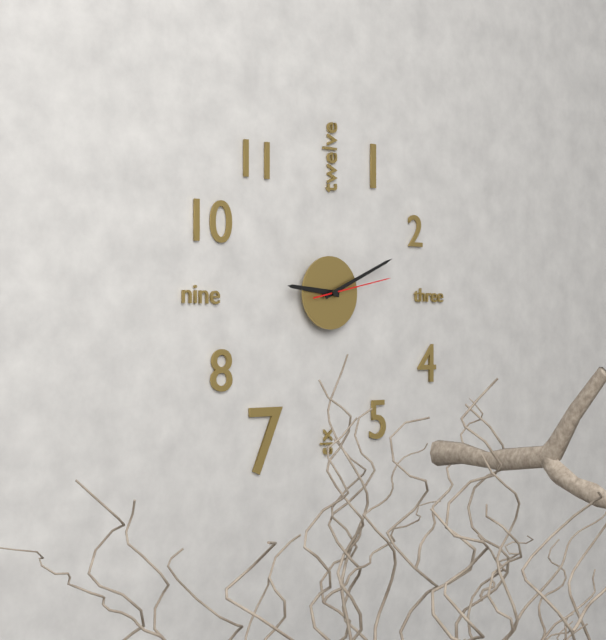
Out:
9 h 11 min 13 s
